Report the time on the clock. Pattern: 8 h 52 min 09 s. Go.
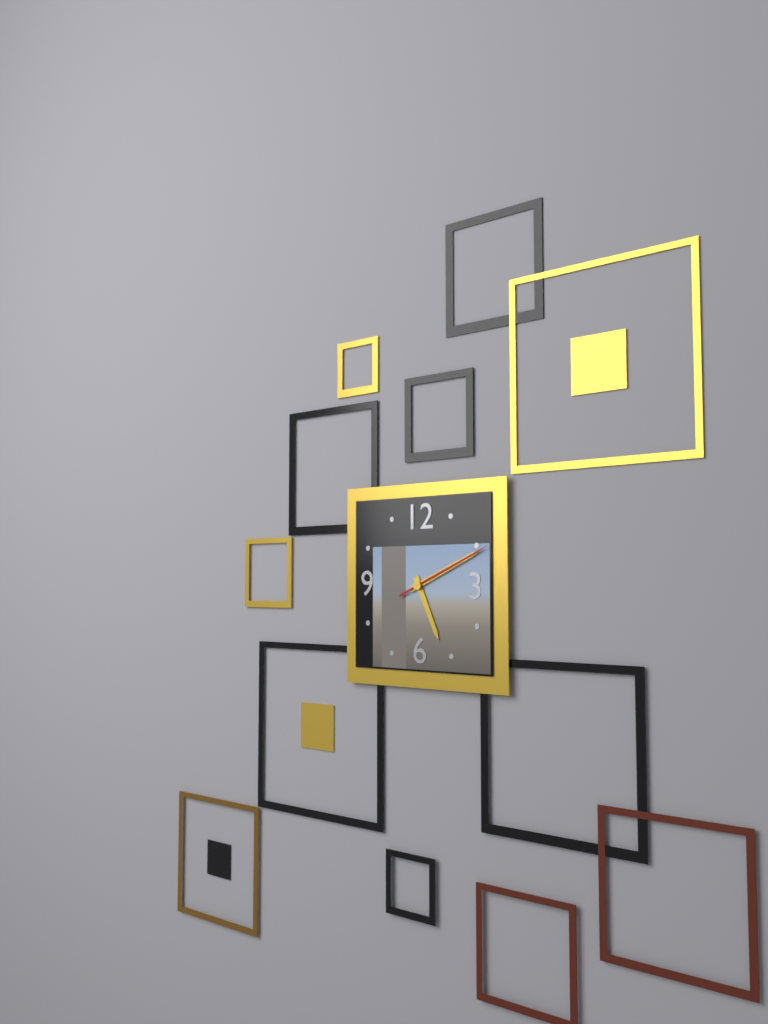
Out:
5 h 11 min 11 s
